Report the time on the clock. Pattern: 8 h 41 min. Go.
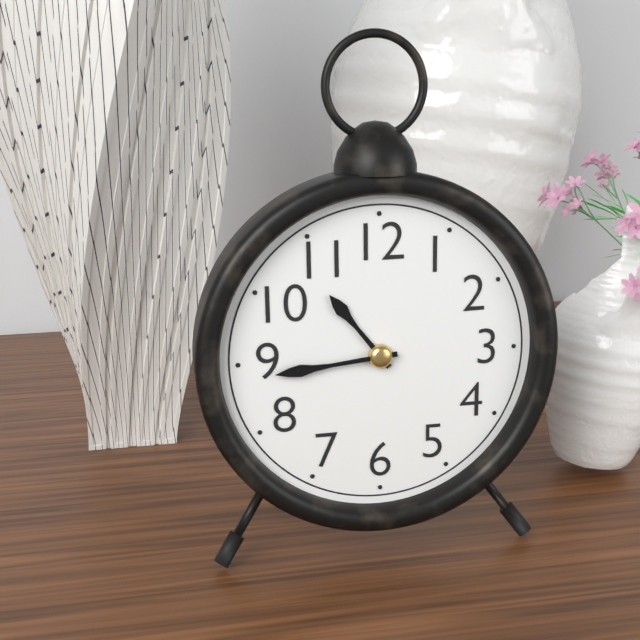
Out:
10 h 44 min
